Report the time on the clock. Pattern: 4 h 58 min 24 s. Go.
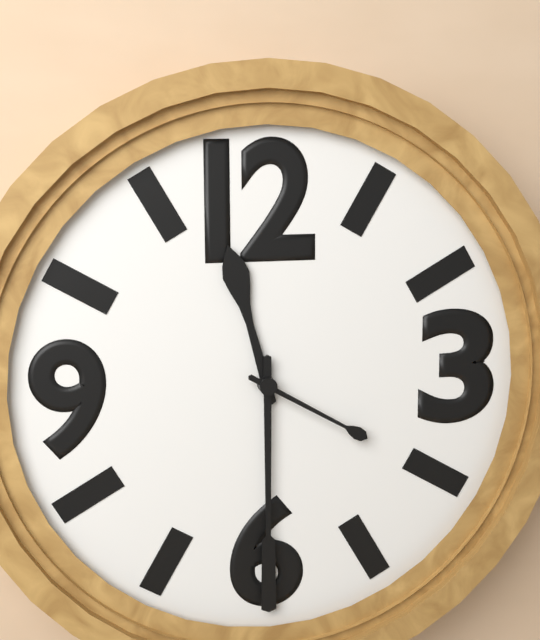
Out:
11 h 30 min 20 s
